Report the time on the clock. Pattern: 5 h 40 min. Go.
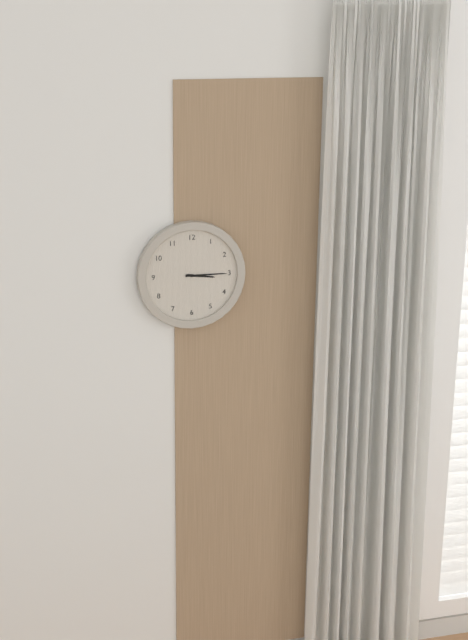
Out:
3 h 15 min
